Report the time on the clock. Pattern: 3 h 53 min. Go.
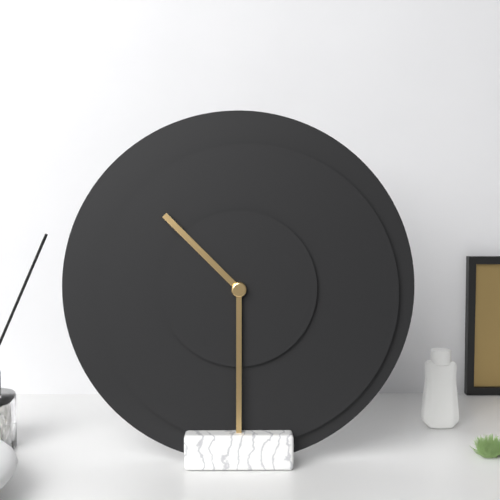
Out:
10 h 30 min
